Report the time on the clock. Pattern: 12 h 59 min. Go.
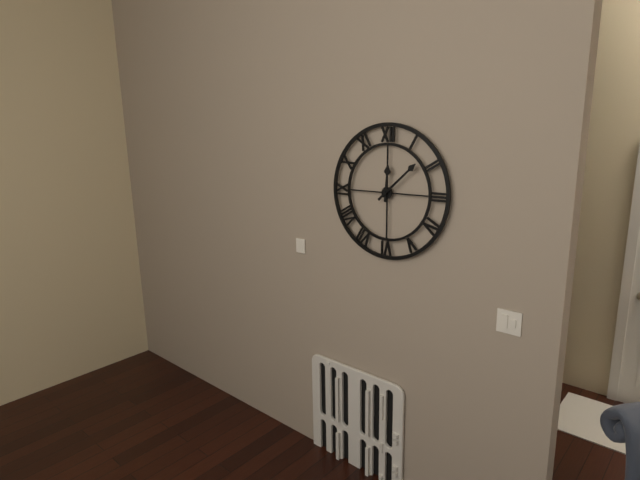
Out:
12 h 08 min
